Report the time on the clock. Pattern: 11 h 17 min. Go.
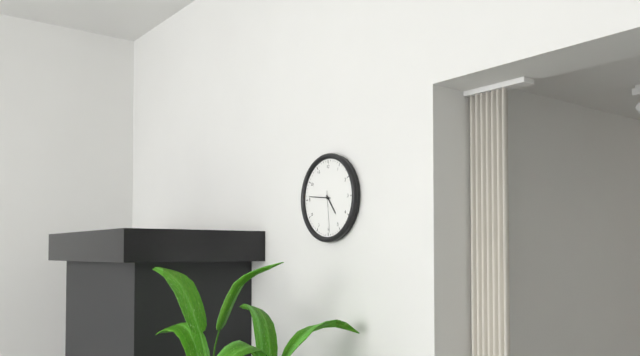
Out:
4 h 46 min
